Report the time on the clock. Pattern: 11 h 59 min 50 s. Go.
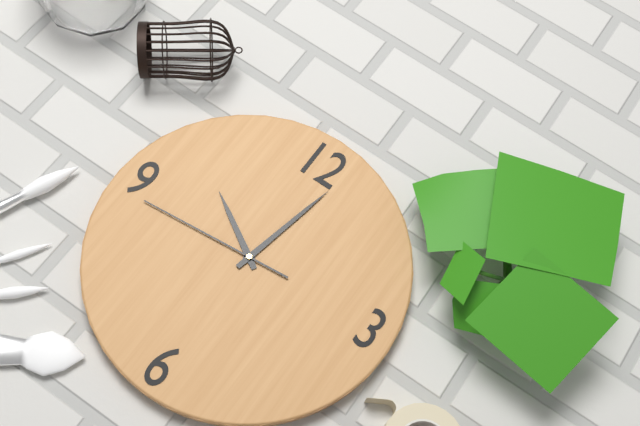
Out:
10 h 02 min 44 s
